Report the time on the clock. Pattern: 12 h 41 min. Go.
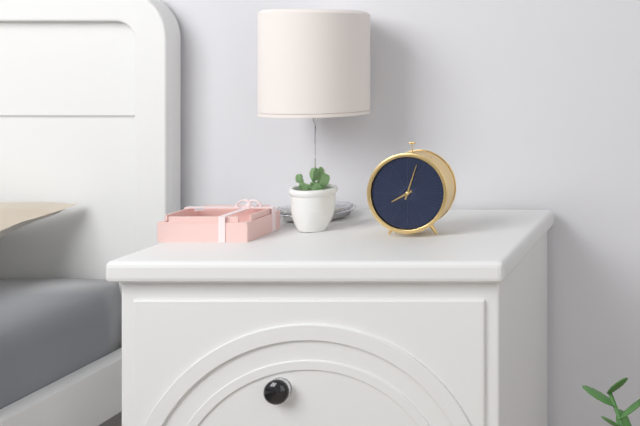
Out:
8 h 03 min
